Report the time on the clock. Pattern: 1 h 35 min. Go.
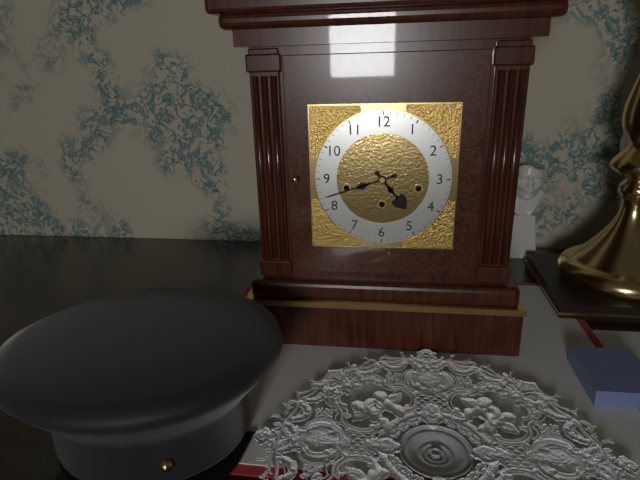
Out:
4 h 42 min
